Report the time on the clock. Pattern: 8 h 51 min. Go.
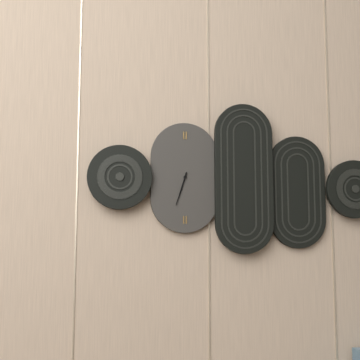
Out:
6 h 33 min
